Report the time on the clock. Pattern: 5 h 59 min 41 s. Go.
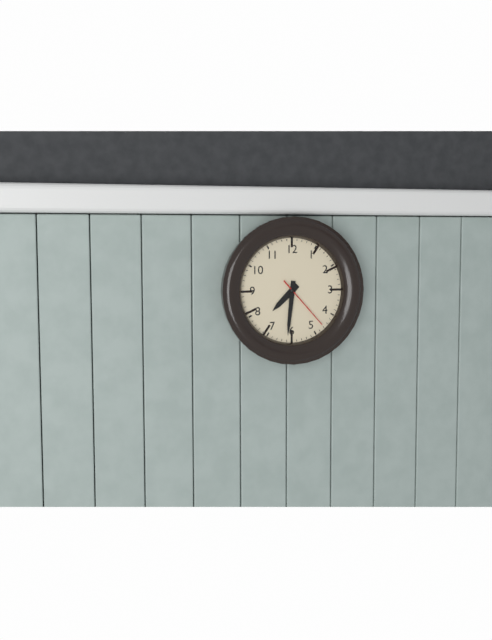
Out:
7 h 31 min 23 s
